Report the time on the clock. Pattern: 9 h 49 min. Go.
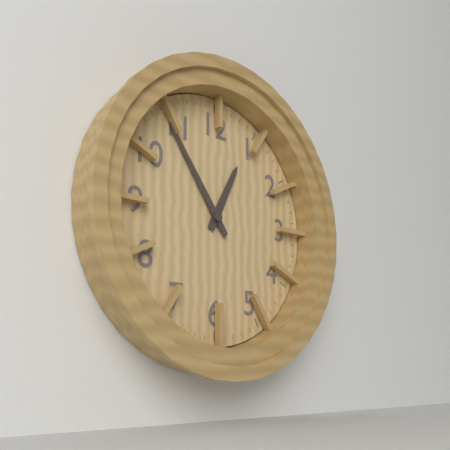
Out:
12 h 54 min
